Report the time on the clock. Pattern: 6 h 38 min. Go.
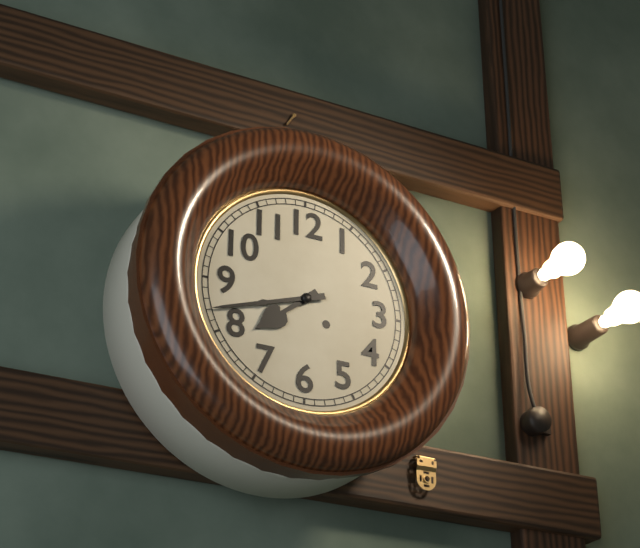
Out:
7 h 42 min
